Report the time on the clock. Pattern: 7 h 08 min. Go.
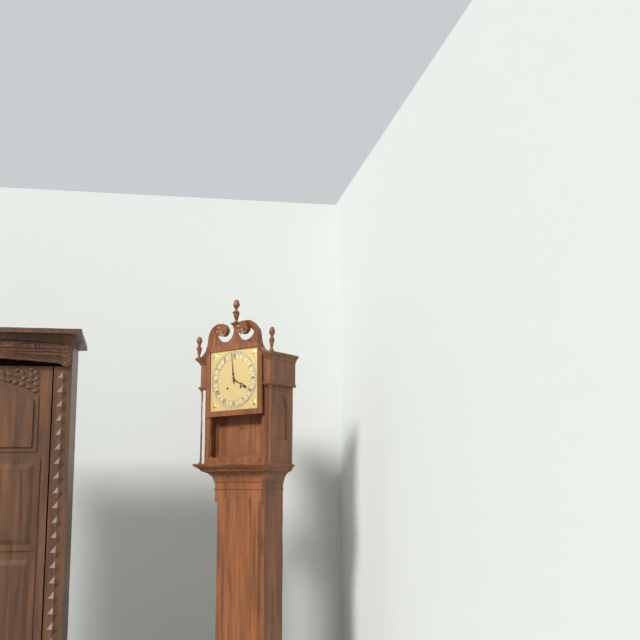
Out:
3 h 59 min
